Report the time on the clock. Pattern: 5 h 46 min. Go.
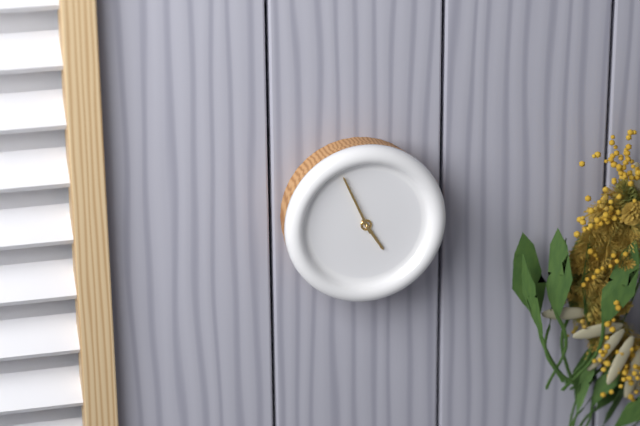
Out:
4 h 56 min
